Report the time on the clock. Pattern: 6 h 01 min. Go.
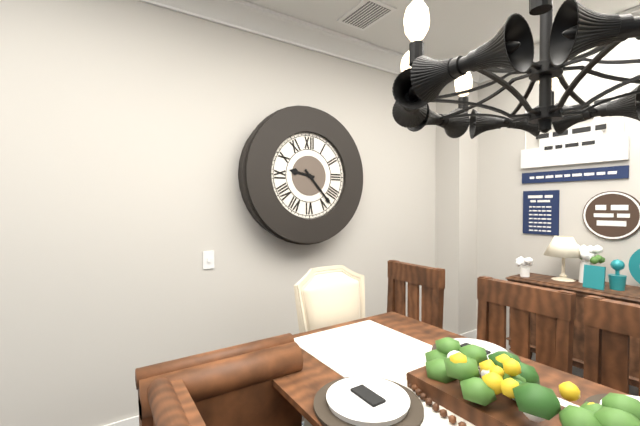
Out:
9 h 23 min
